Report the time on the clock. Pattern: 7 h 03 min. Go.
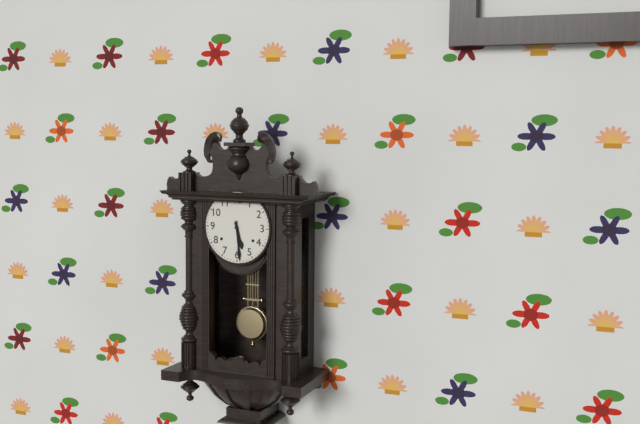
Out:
5 h 29 min
